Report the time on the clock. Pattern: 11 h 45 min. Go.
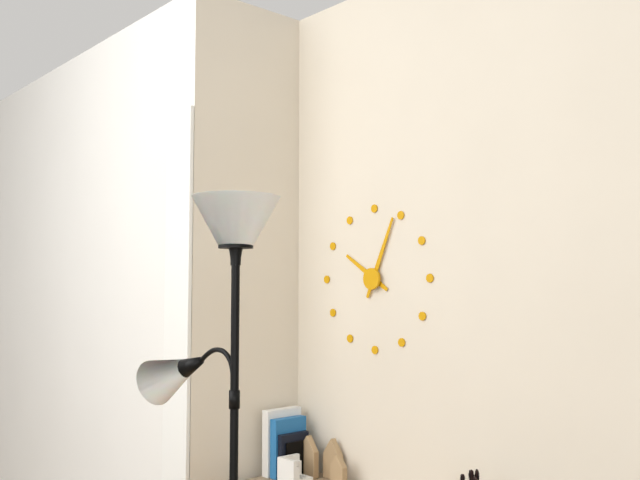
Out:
10 h 04 min
